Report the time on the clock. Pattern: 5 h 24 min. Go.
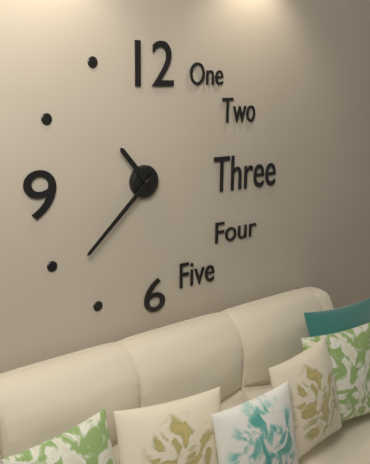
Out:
10 h 38 min
